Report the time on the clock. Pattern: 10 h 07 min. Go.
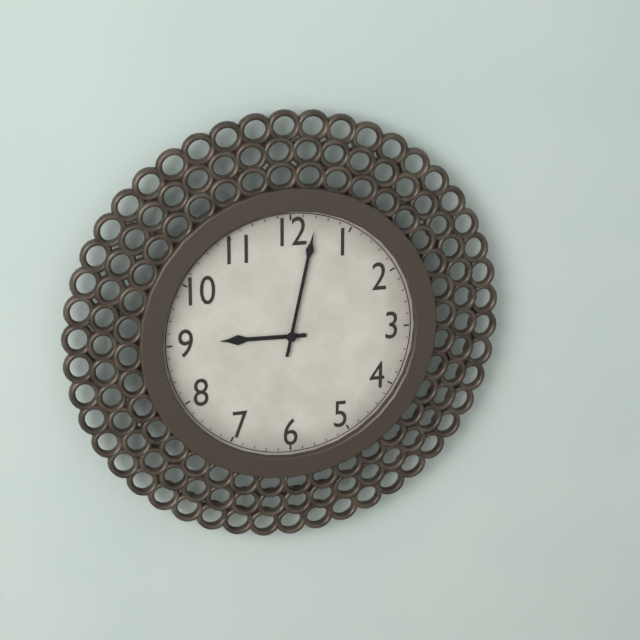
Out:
9 h 02 min
